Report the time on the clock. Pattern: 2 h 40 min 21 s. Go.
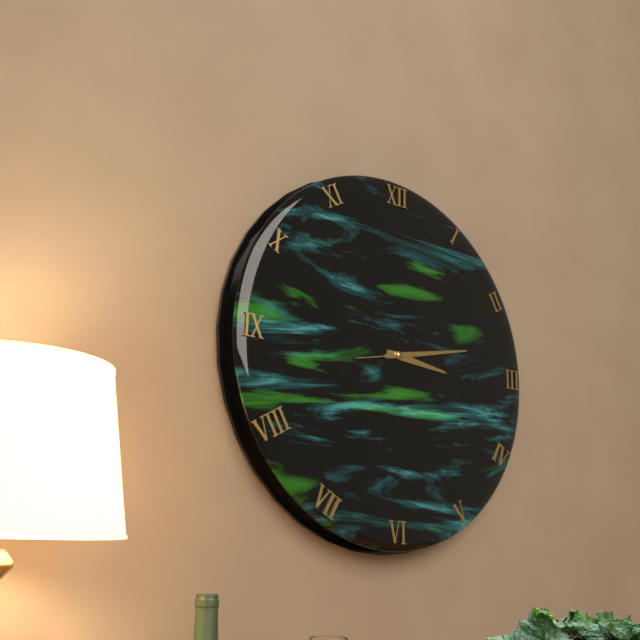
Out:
3 h 13 min 43 s
